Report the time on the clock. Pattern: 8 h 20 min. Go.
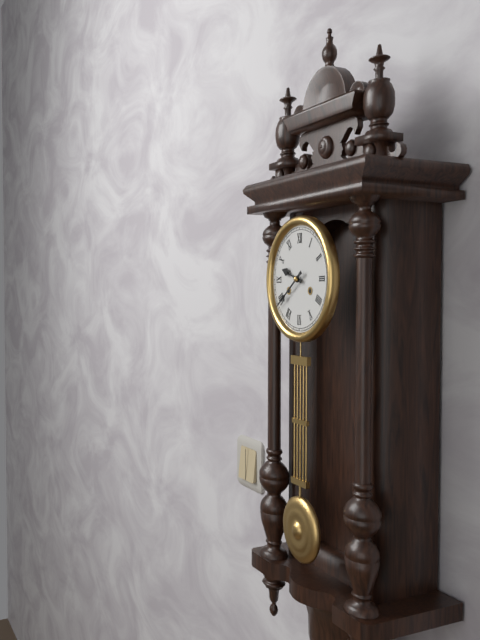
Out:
9 h 39 min
